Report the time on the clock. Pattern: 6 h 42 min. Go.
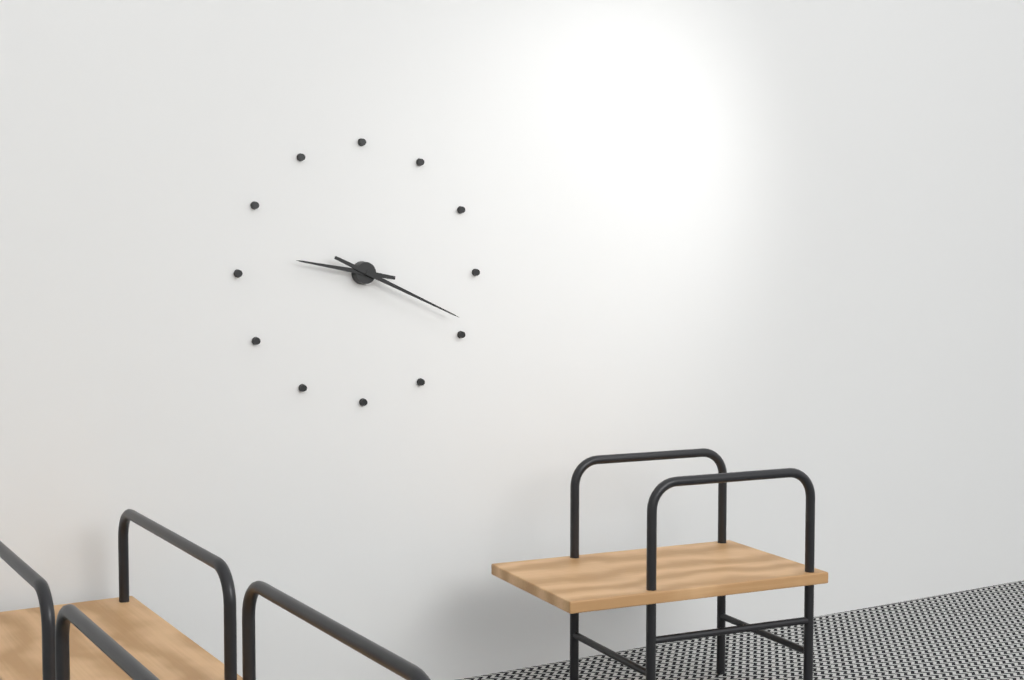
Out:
9 h 19 min
